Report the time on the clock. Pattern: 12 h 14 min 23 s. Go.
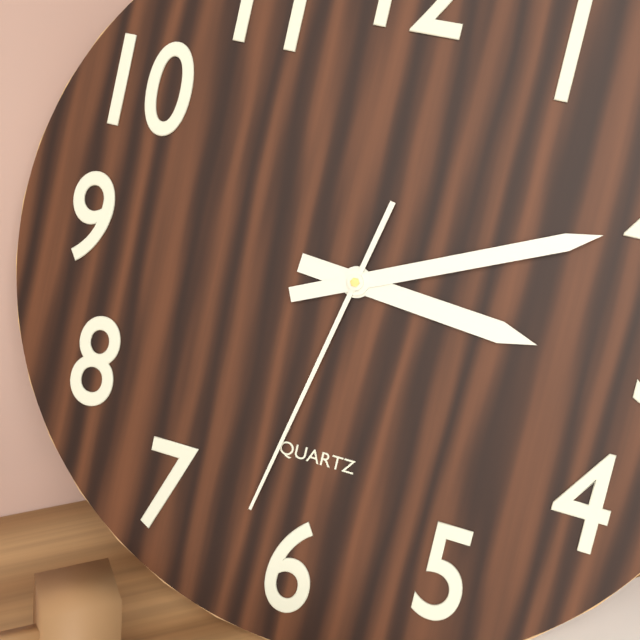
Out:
3 h 11 min 32 s
